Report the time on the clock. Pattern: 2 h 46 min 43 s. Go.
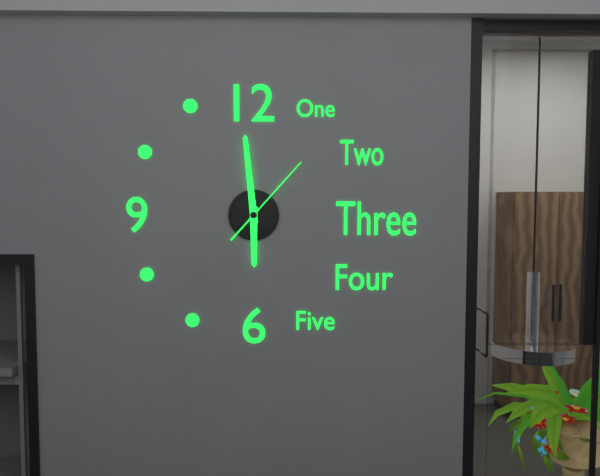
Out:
5 h 59 min 07 s
